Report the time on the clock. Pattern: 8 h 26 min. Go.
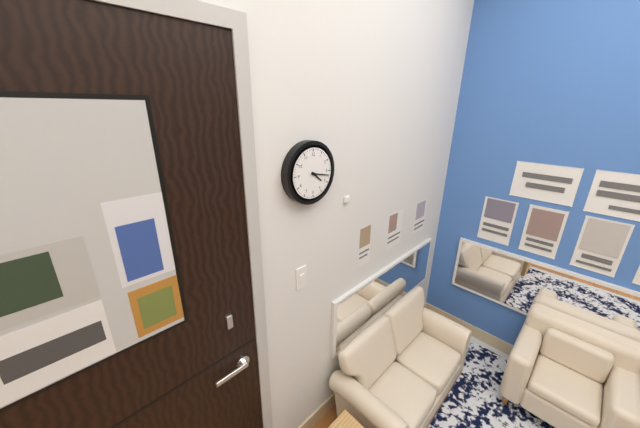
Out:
4 h 17 min
